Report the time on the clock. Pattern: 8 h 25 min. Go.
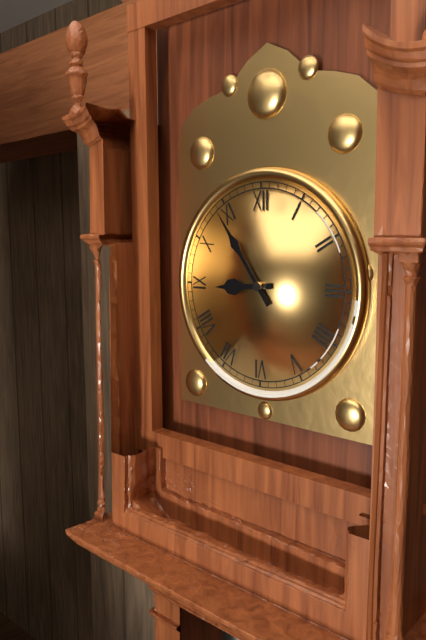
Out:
8 h 54 min
